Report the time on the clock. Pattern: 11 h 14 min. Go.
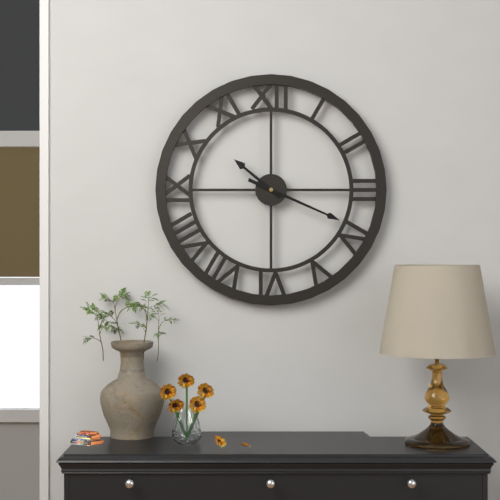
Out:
10 h 19 min
